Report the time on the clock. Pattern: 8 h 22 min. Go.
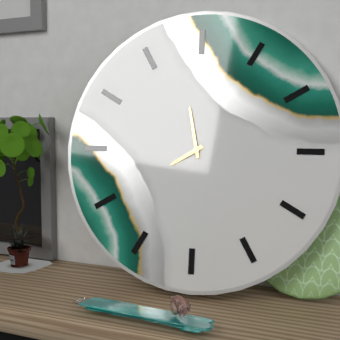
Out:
7 h 58 min
